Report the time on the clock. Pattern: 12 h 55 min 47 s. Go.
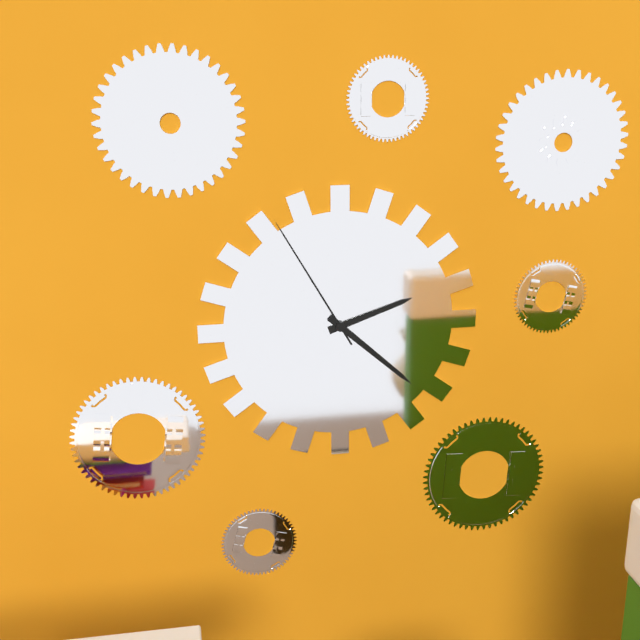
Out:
2 h 22 min 55 s
